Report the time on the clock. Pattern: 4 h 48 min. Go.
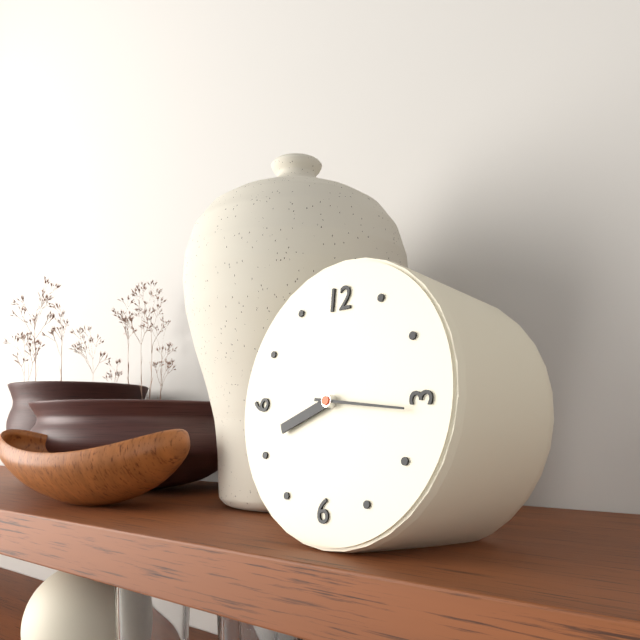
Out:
8 h 16 min
